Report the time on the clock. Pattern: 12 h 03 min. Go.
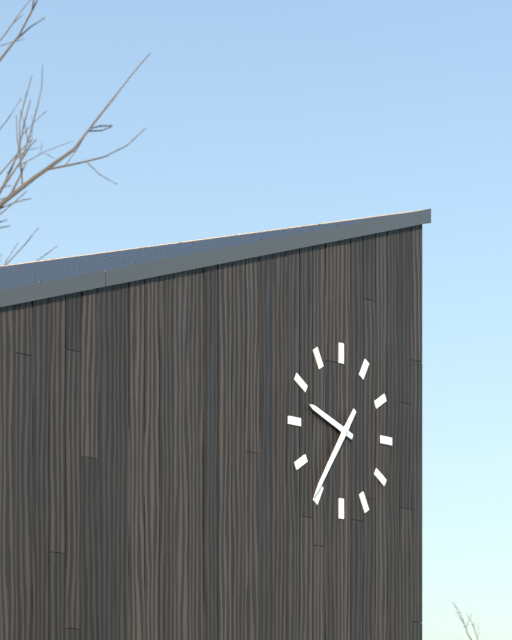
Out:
9 h 36 min
